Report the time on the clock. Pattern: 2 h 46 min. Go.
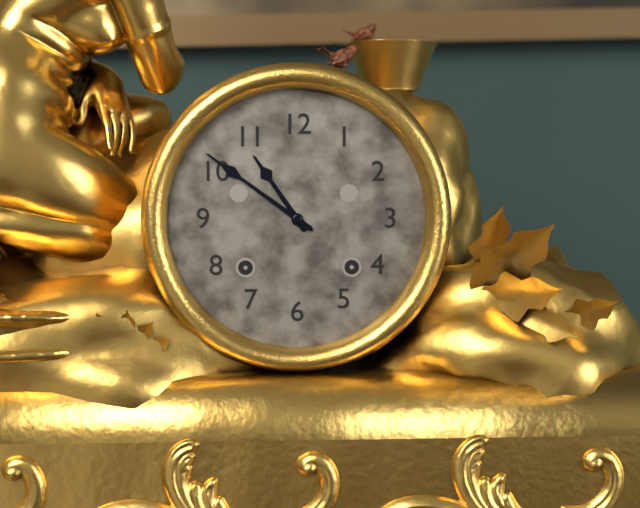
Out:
10 h 51 min
